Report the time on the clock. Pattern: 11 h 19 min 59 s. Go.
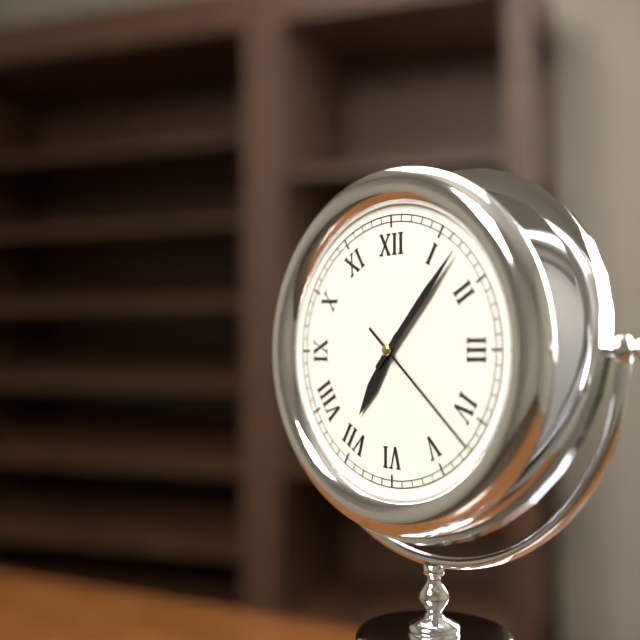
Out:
7 h 07 min 22 s
